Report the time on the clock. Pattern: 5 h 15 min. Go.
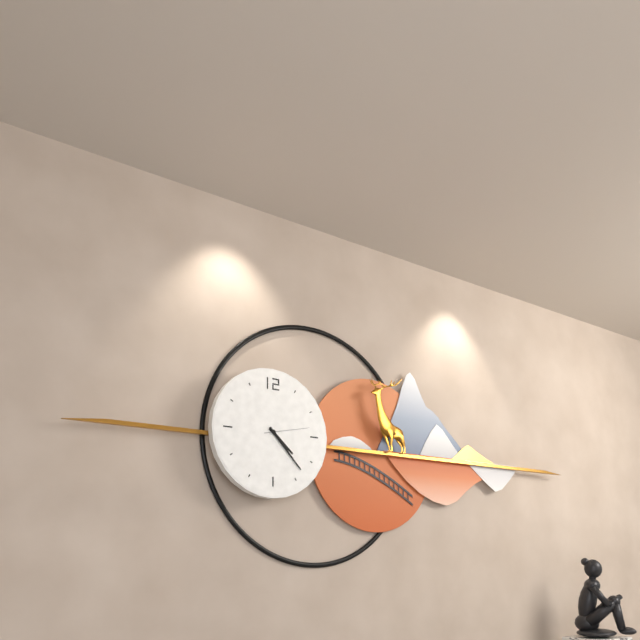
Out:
4 h 23 min
